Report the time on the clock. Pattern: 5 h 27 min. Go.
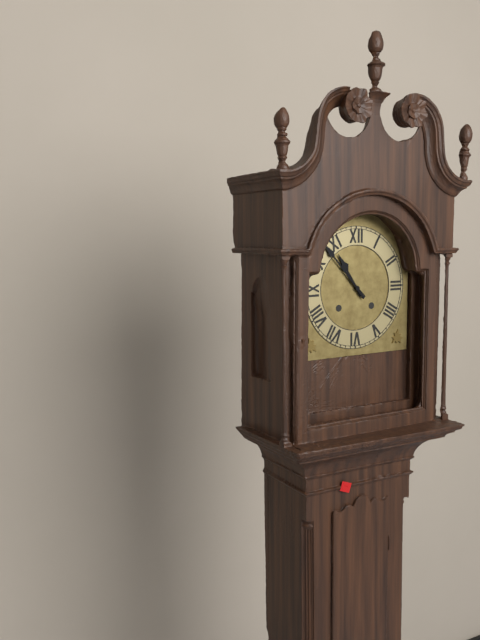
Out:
10 h 53 min
